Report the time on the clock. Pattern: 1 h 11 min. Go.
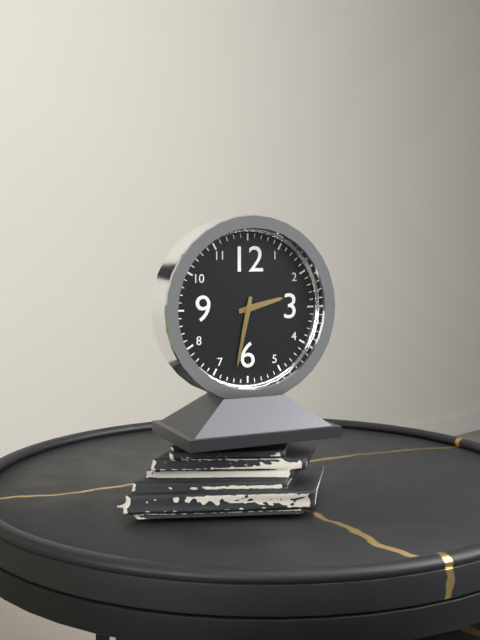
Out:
2 h 32 min
